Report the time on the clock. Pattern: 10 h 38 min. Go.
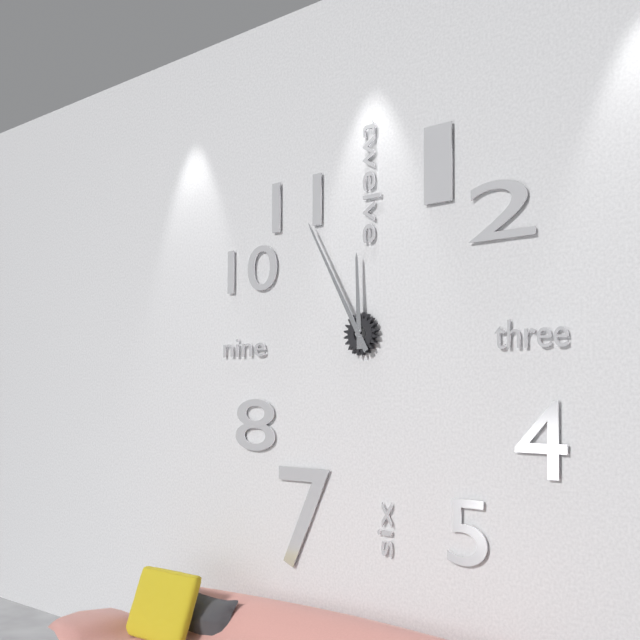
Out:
11 h 55 min
